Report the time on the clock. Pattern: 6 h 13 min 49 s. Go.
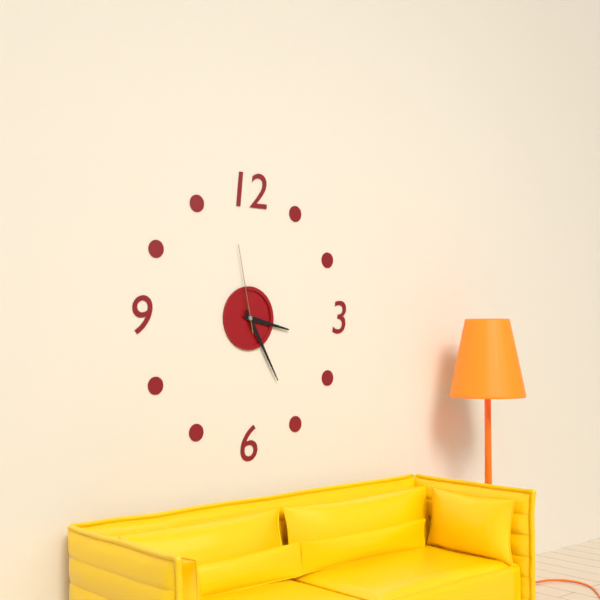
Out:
3 h 25 min 58 s
